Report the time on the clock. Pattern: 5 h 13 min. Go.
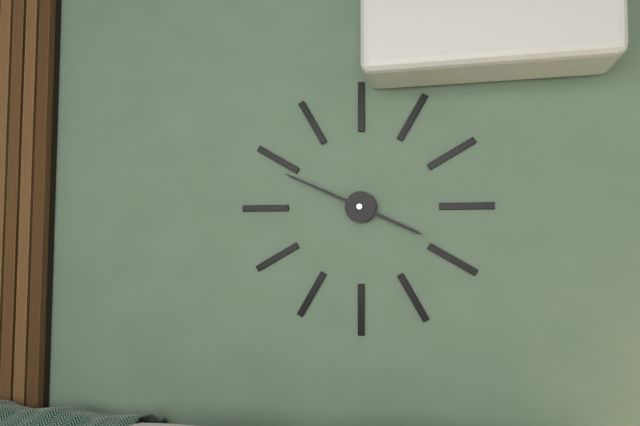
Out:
3 h 49 min
